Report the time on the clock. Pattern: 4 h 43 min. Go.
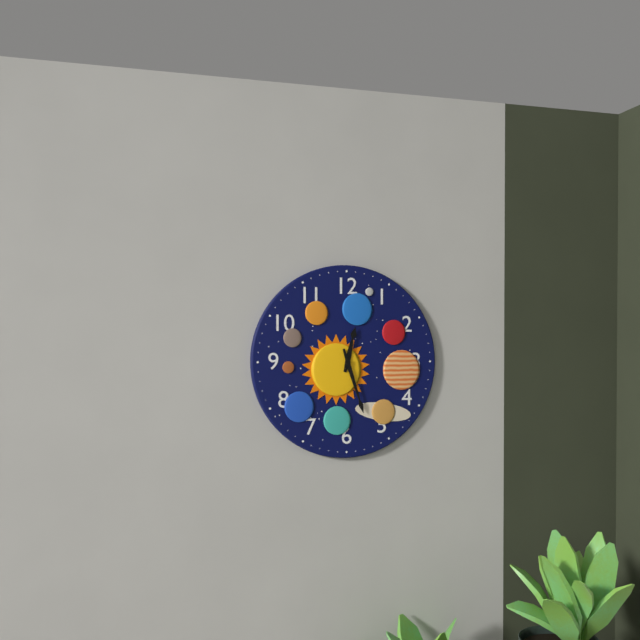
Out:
12 h 27 min
